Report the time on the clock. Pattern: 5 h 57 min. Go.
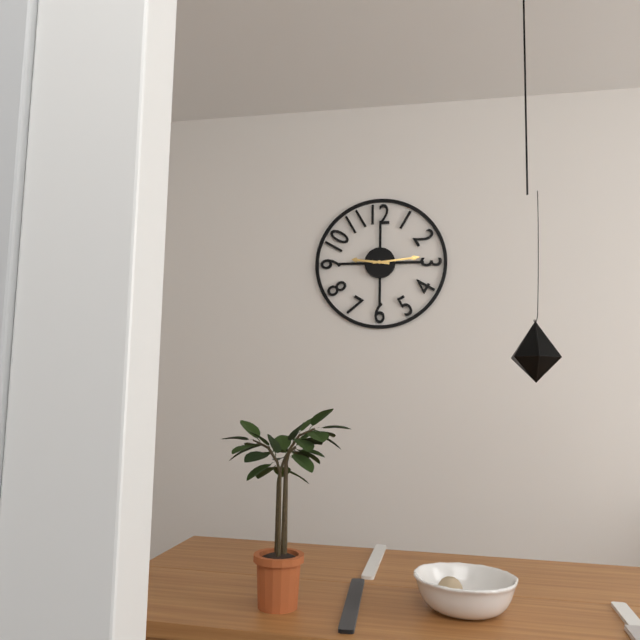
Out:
9 h 14 min
